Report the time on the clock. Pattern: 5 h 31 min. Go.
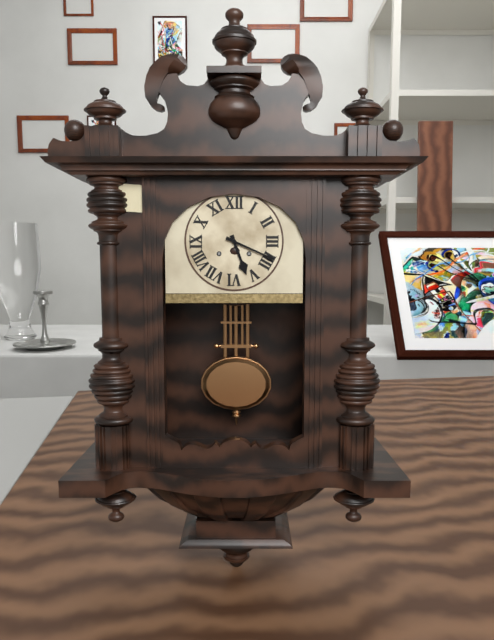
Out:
5 h 19 min
